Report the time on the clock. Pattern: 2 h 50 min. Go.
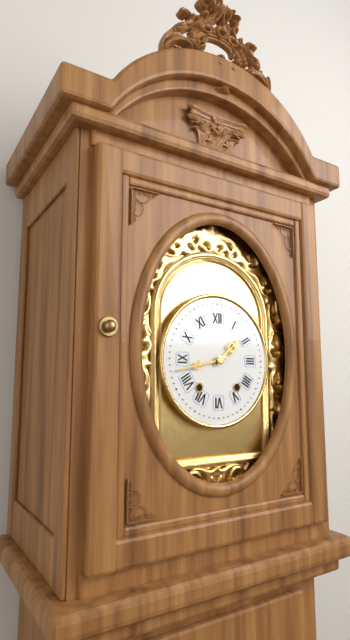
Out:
1 h 43 min
